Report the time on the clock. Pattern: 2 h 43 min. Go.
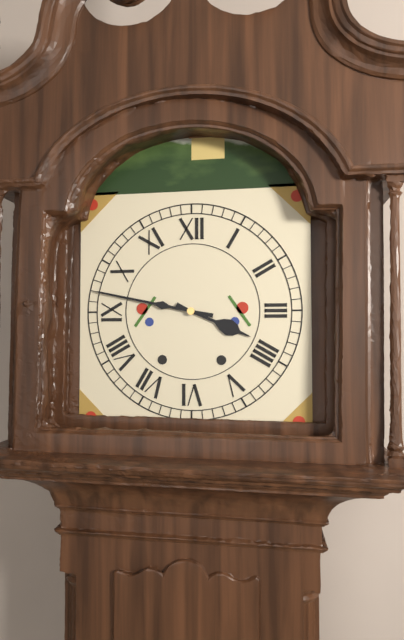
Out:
3 h 47 min
